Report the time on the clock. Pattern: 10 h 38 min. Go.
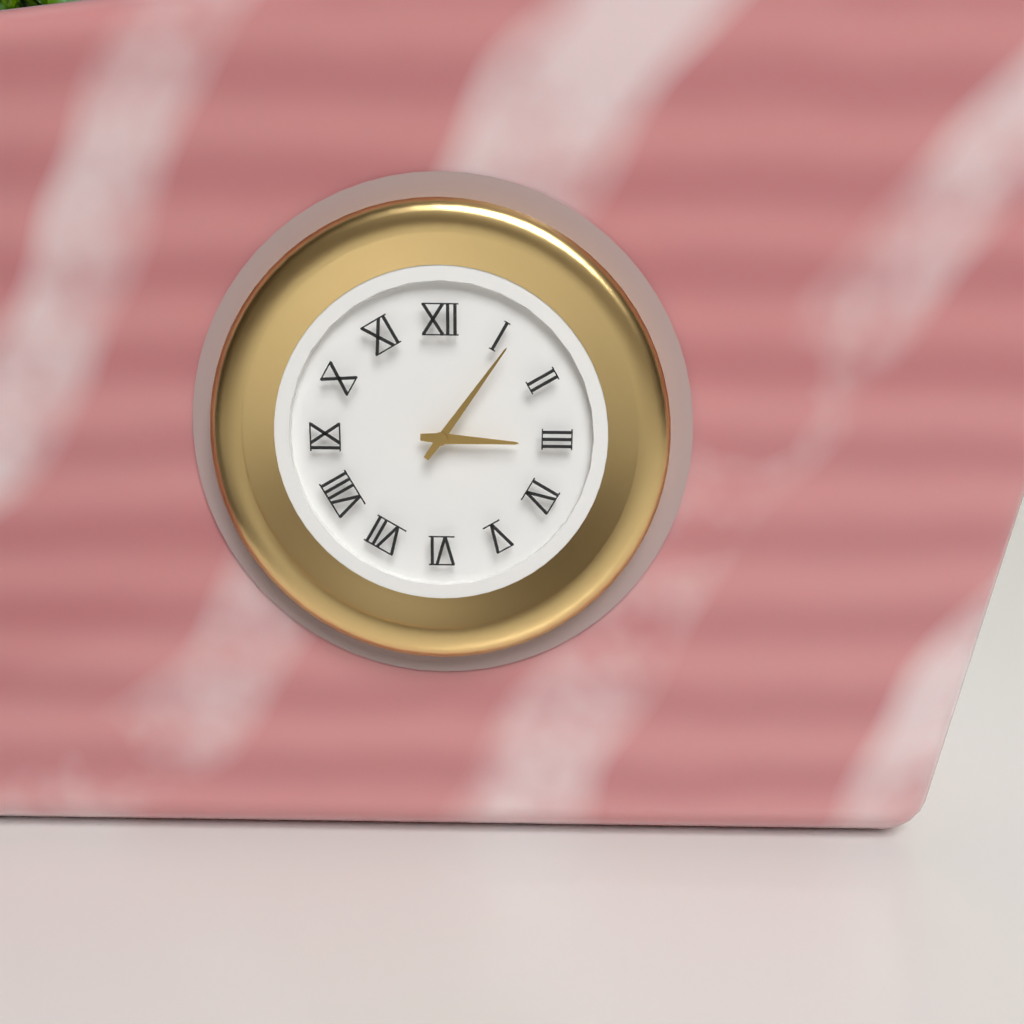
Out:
3 h 06 min
